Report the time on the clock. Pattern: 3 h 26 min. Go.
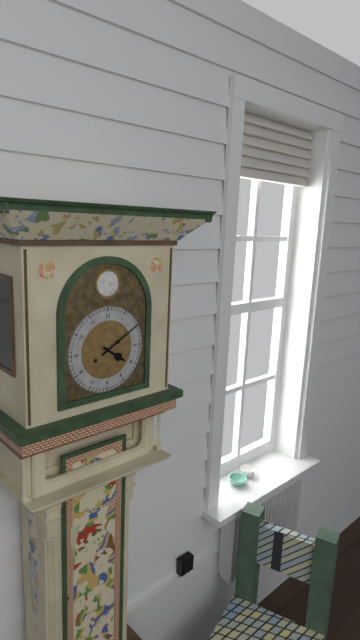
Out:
4 h 10 min
